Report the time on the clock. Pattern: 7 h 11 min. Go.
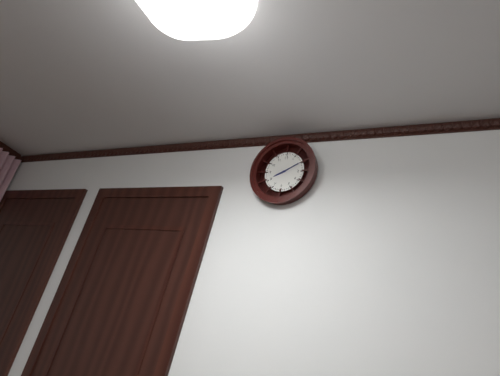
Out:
8 h 10 min
